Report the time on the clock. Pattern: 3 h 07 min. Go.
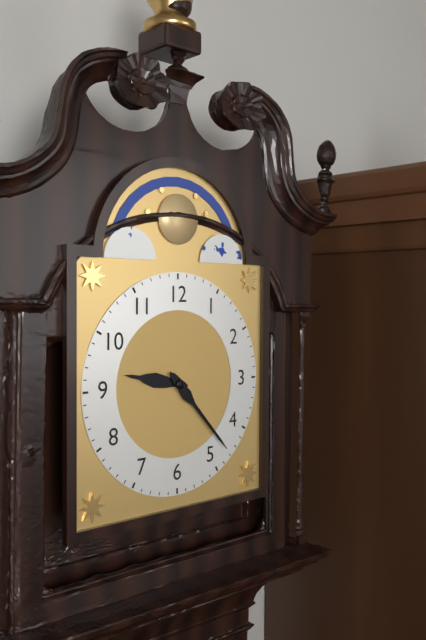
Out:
9 h 23 min
